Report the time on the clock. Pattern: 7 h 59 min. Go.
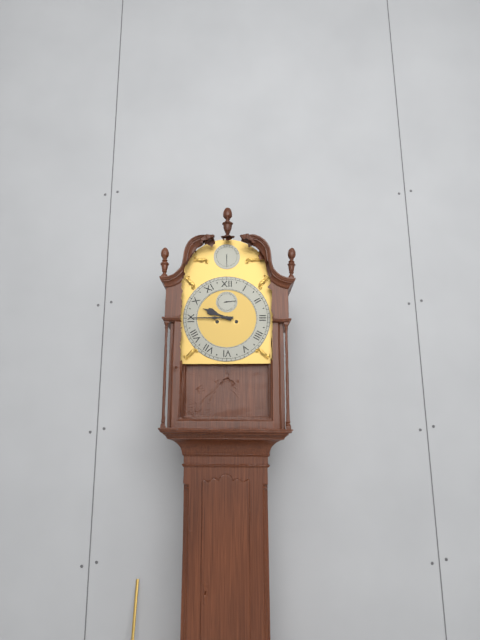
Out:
9 h 45 min
